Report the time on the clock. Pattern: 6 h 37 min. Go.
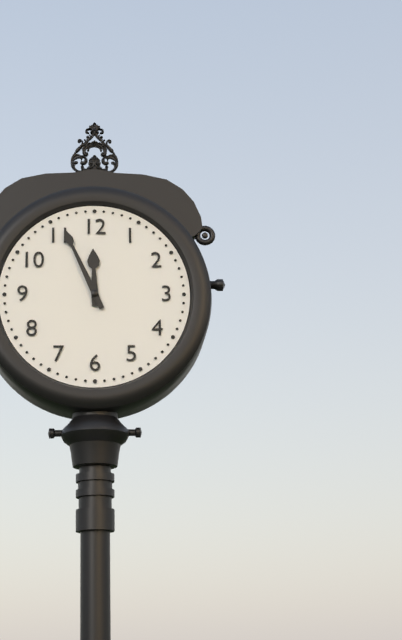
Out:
11 h 56 min
